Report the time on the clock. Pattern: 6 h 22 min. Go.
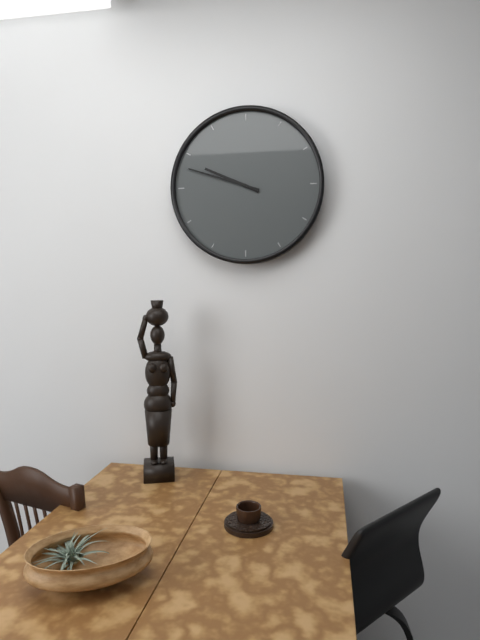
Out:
9 h 48 min
